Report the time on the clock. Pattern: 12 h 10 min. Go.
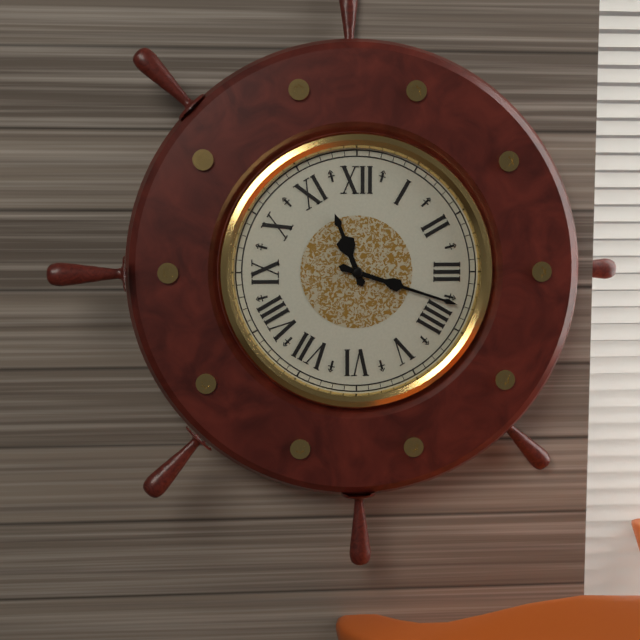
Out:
11 h 18 min
